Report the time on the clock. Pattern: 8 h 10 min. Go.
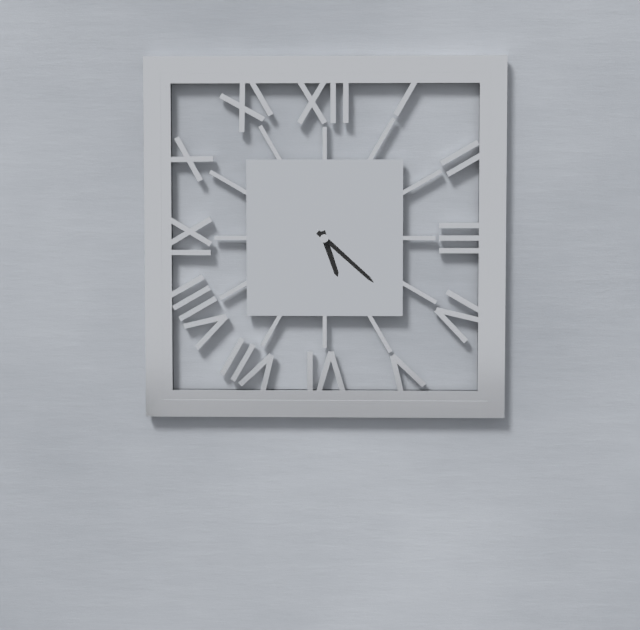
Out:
5 h 22 min
